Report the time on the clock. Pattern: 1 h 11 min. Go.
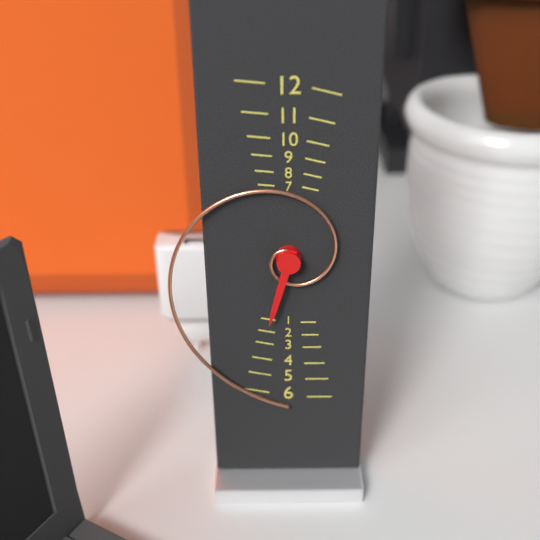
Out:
6 h 30 min
